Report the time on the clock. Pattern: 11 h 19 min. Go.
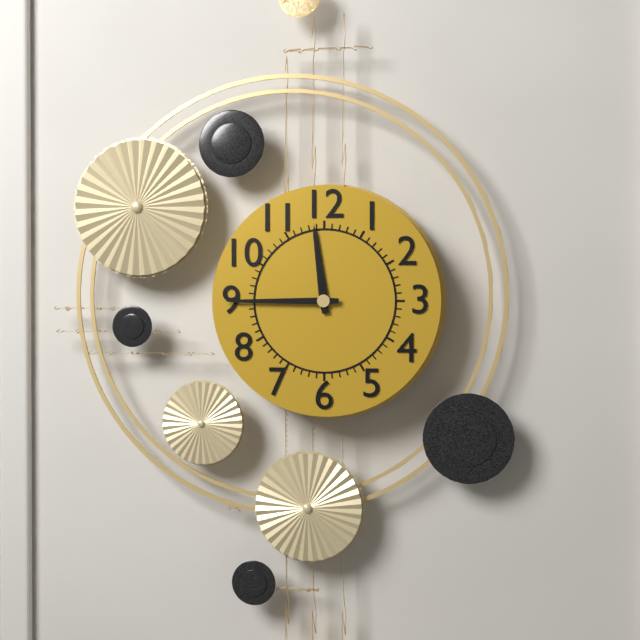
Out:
11 h 45 min
